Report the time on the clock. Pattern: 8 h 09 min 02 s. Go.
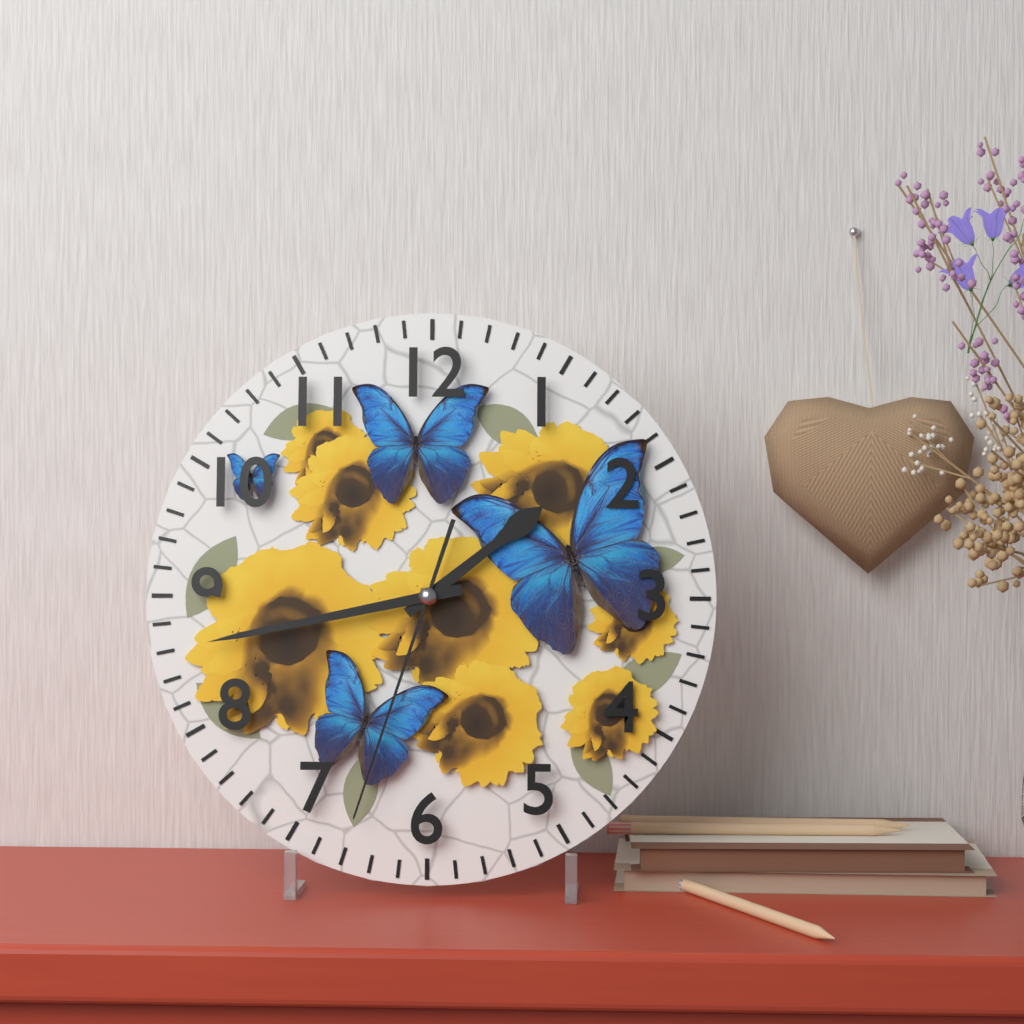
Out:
1 h 43 min 33 s
